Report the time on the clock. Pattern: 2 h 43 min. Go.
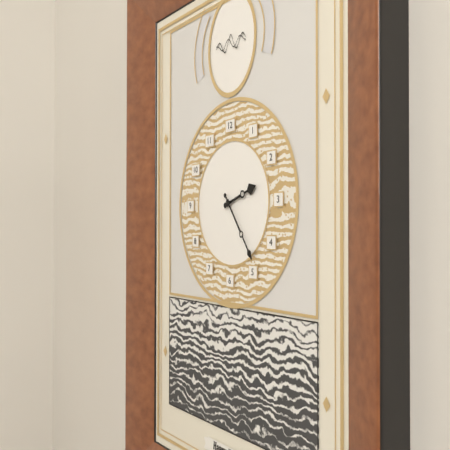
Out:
2 h 24 min
